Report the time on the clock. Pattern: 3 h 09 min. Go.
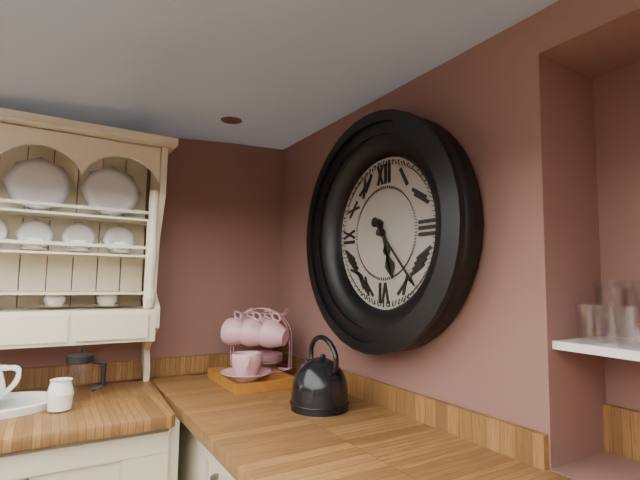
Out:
5 h 23 min
